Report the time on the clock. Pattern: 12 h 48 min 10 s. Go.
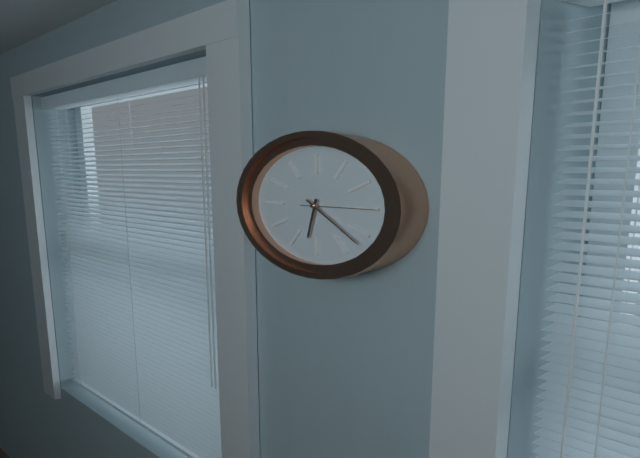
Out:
6 h 22 min 15 s
